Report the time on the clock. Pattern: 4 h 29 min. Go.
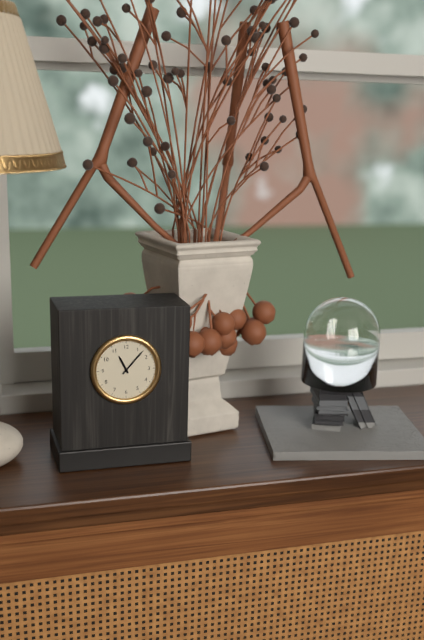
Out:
11 h 07 min
